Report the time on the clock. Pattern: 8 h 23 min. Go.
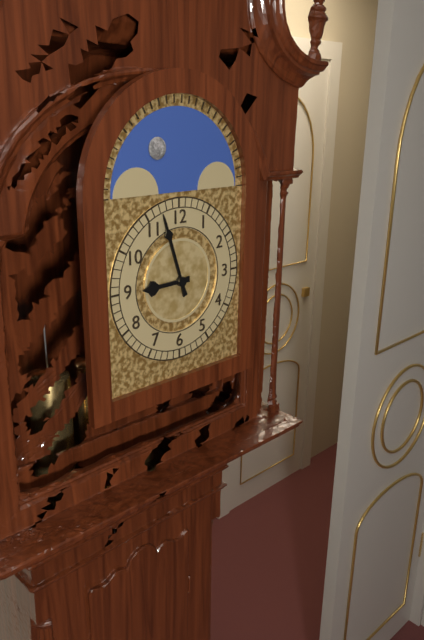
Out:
8 h 57 min
